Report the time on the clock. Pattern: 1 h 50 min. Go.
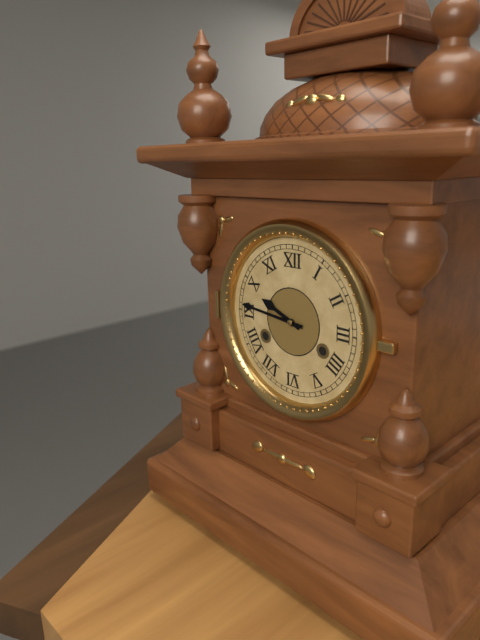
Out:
9 h 46 min
